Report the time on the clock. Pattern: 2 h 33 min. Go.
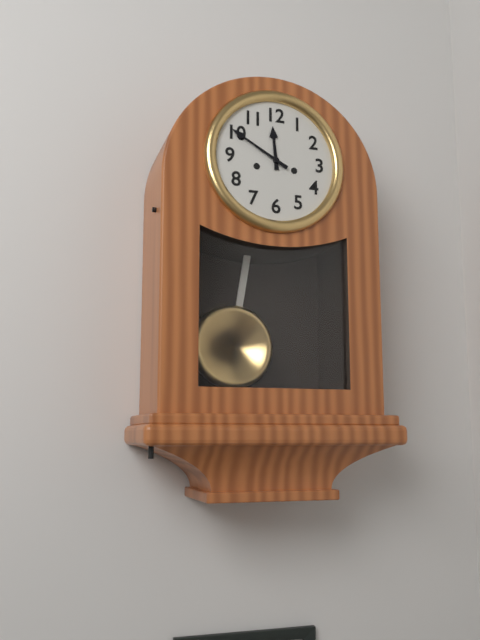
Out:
11 h 50 min
